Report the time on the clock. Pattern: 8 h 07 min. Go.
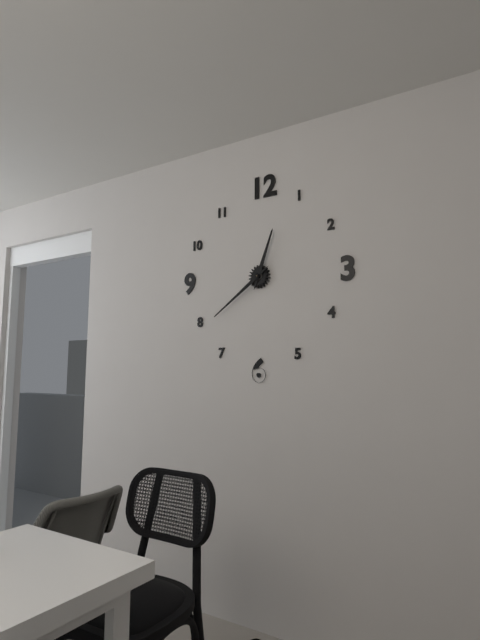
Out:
12 h 39 min
